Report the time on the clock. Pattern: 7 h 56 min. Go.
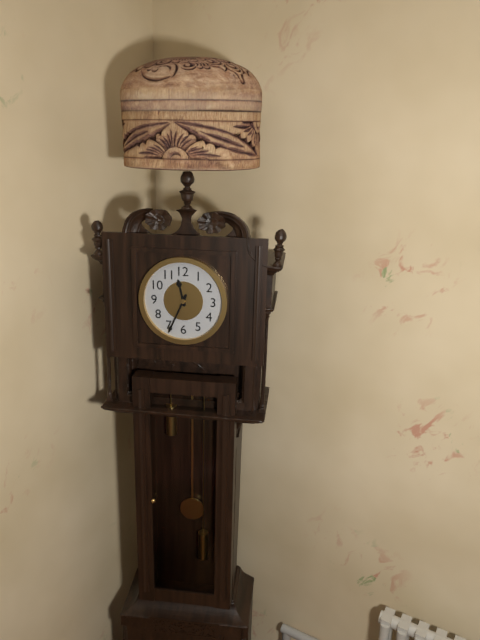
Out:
11 h 34 min
